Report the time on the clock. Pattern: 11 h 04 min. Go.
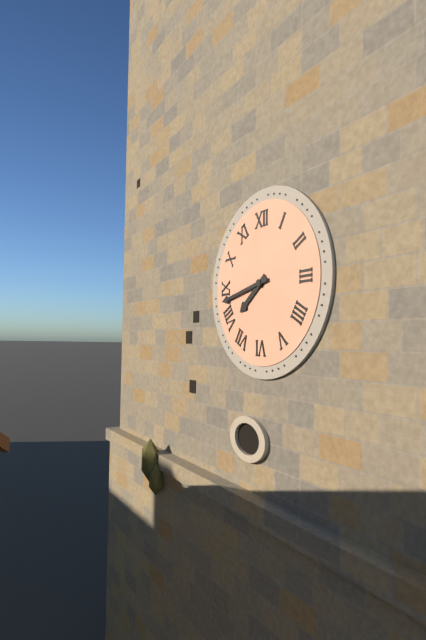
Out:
7 h 43 min
